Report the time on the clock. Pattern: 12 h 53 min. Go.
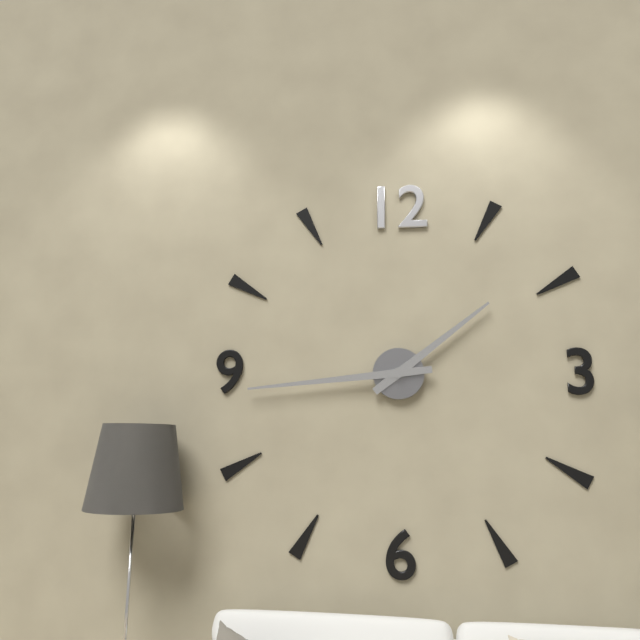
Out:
1 h 44 min
